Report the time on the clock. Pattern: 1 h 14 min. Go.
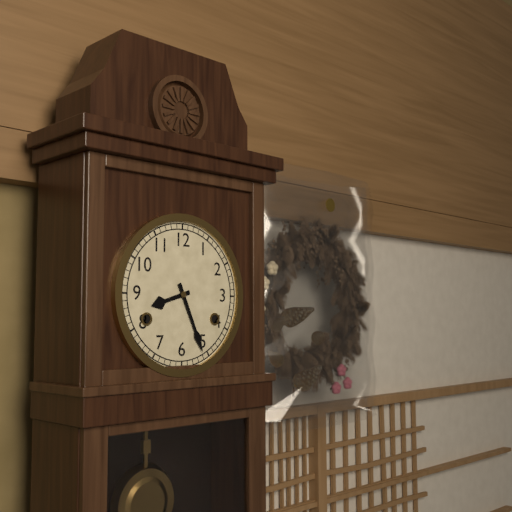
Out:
8 h 26 min
